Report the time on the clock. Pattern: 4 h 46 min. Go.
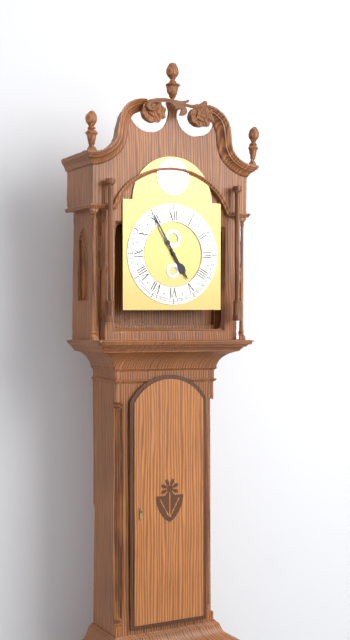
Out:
4 h 55 min
